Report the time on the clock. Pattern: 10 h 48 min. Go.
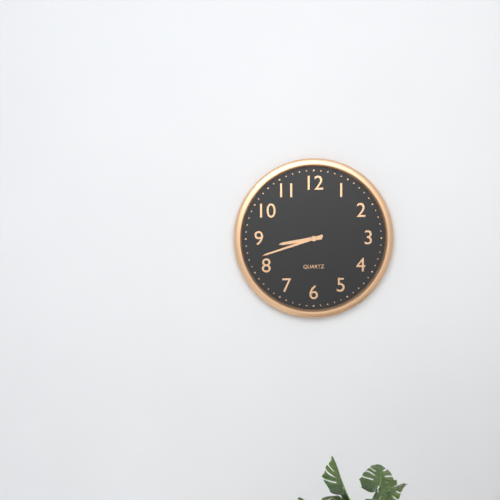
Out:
8 h 42 min
